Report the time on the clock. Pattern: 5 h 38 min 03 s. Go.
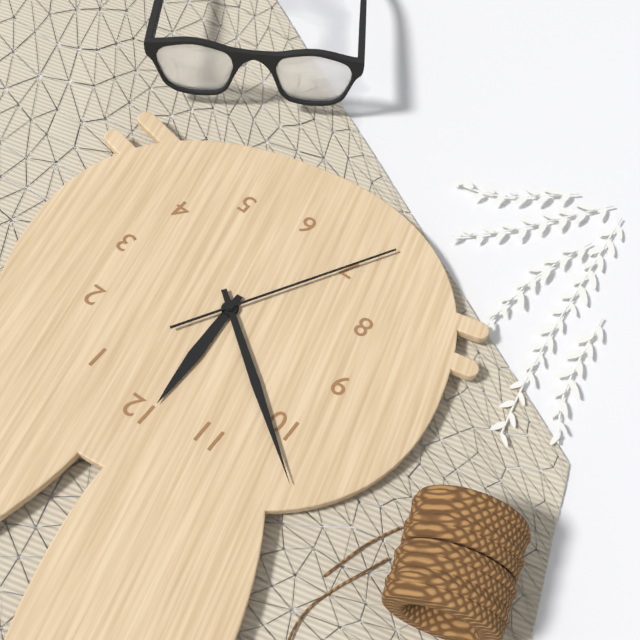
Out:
11 h 51 min 35 s
